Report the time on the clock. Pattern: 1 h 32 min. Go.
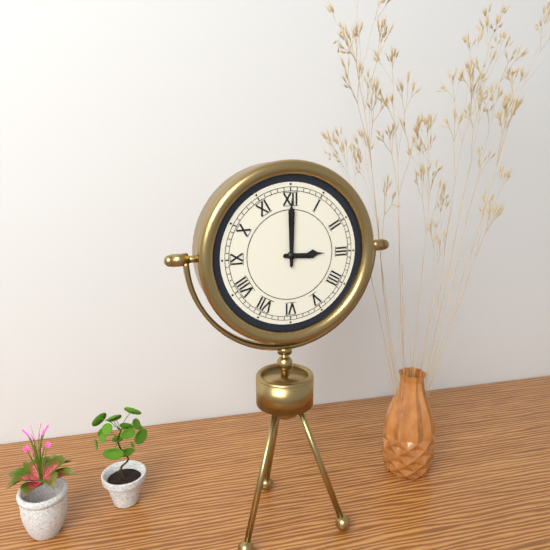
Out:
3 h 00 min
